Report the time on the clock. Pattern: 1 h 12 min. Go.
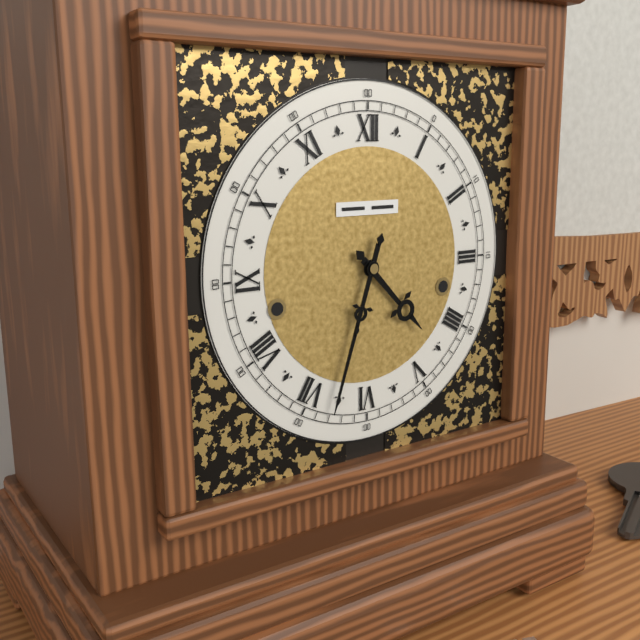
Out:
4 h 33 min
